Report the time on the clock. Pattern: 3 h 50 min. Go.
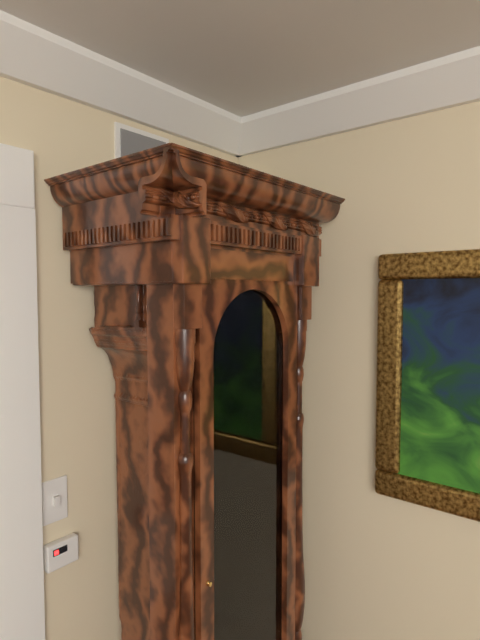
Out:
2 h 55 min
